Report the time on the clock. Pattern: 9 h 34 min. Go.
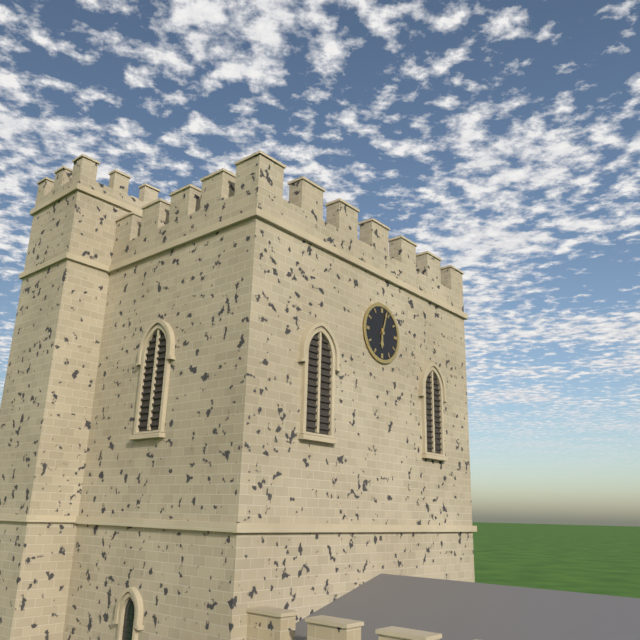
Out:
6 h 03 min
